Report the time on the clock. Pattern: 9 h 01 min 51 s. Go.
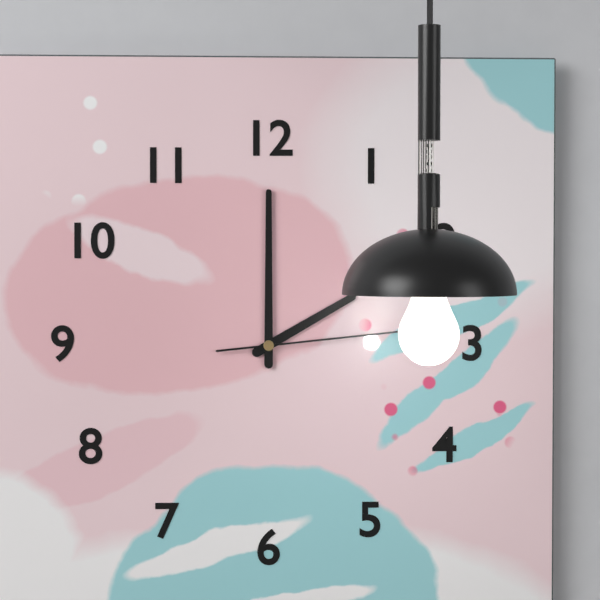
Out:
2 h 00 min 14 s
